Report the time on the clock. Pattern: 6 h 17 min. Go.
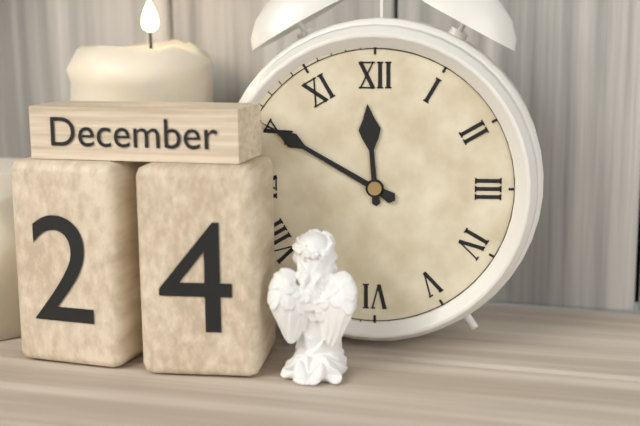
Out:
11 h 50 min
